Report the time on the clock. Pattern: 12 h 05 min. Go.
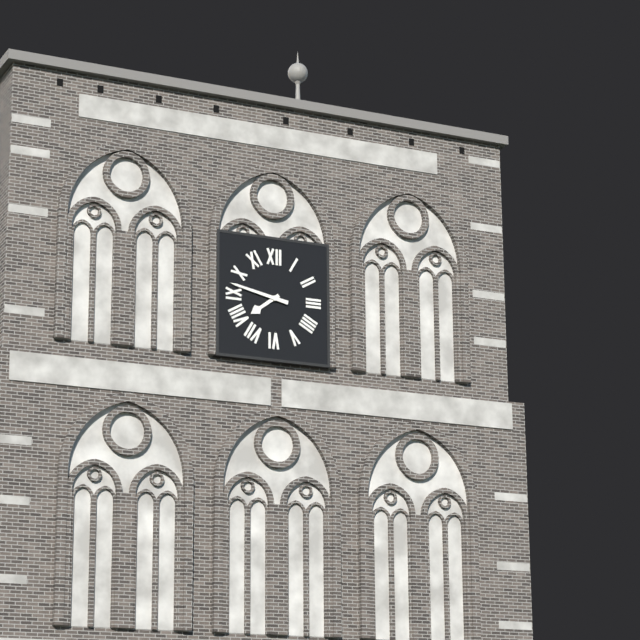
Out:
7 h 47 min
